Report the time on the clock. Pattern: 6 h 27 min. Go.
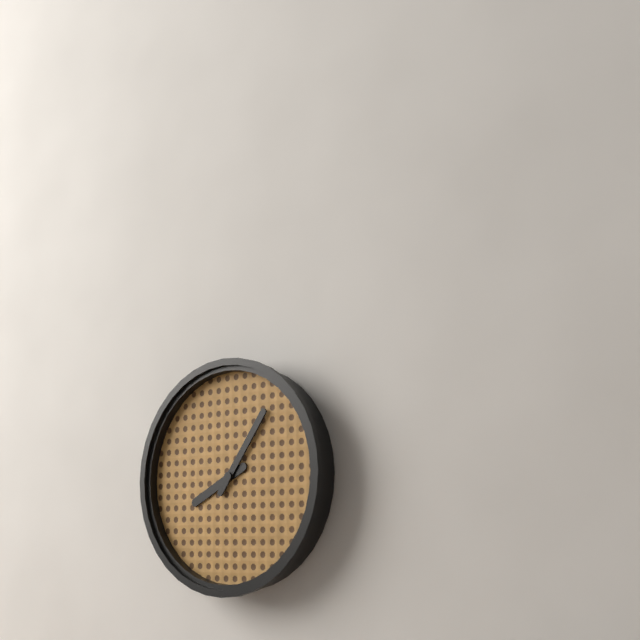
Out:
8 h 06 min
